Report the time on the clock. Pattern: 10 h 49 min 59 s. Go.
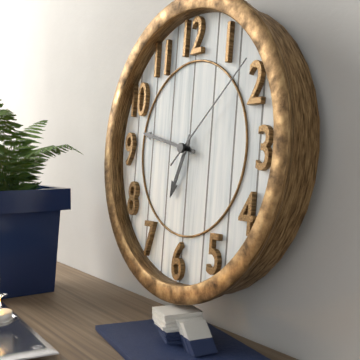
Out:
6 h 47 min 08 s
